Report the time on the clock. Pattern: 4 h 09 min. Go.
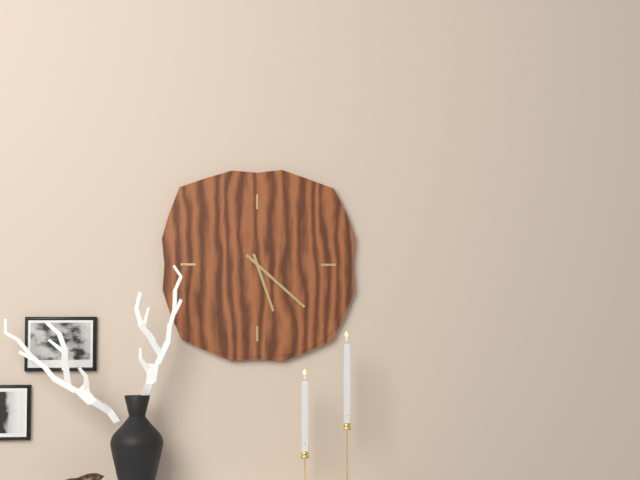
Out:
5 h 22 min
